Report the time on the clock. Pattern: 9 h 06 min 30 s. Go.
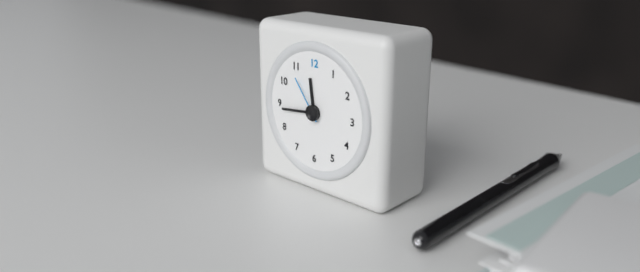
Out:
11 h 44 min 54 s
